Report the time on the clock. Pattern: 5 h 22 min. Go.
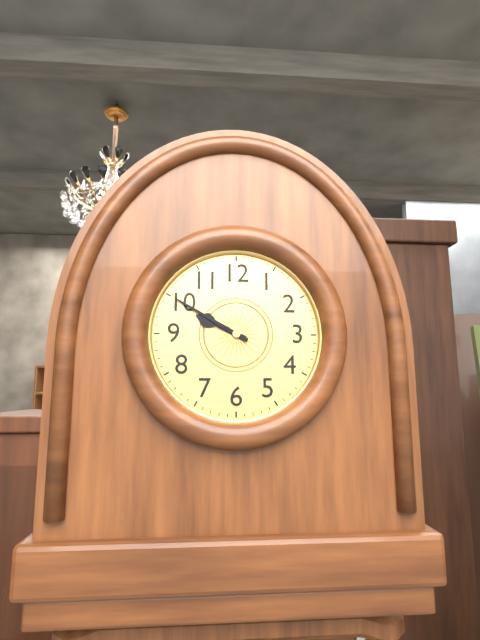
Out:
9 h 50 min
